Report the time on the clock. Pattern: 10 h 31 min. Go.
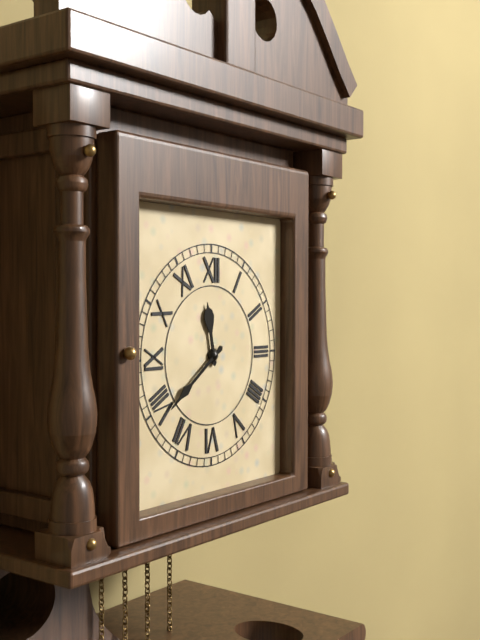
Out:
11 h 39 min
